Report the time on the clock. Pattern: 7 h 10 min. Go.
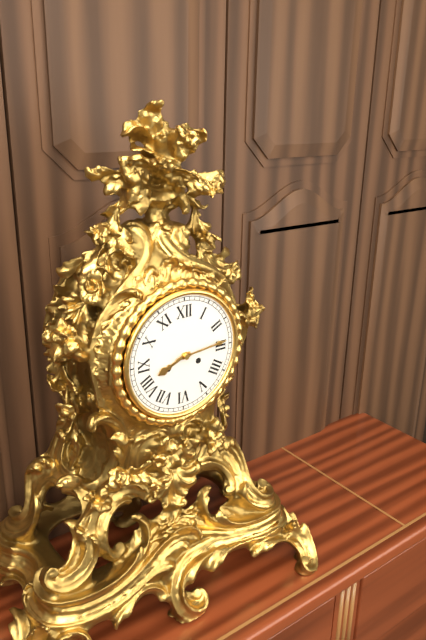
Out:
8 h 14 min
